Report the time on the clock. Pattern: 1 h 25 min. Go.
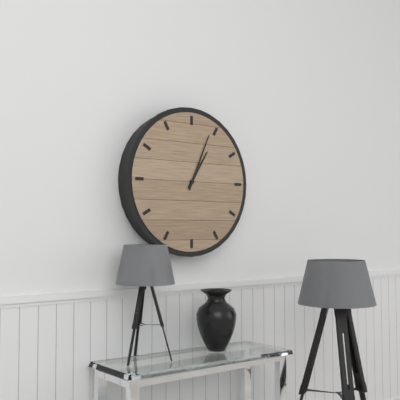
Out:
1 h 04 min
